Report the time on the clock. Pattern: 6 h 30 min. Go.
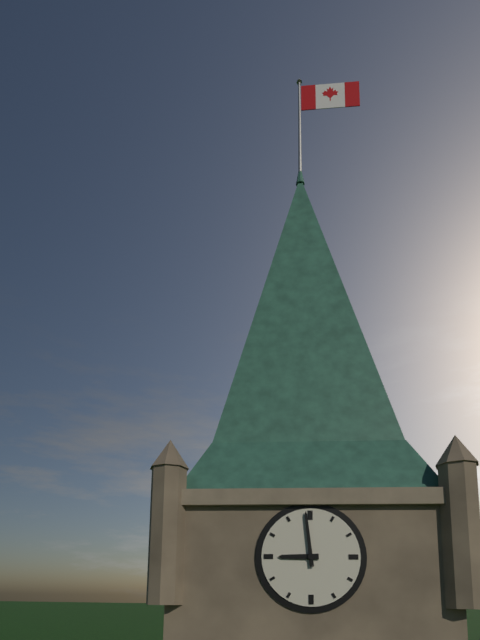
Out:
8 h 59 min
